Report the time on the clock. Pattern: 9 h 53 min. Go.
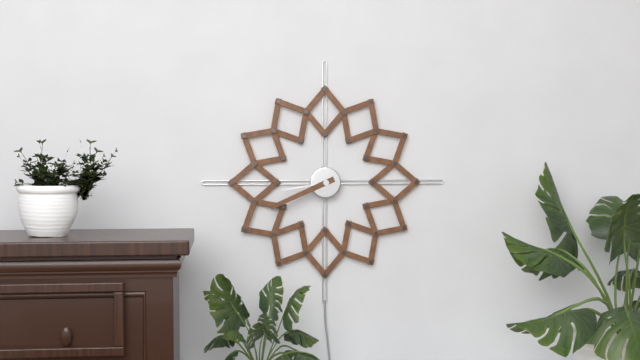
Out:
8 h 41 min
